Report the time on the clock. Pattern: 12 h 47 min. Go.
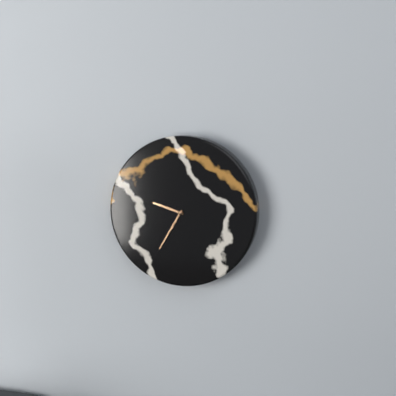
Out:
9 h 35 min
